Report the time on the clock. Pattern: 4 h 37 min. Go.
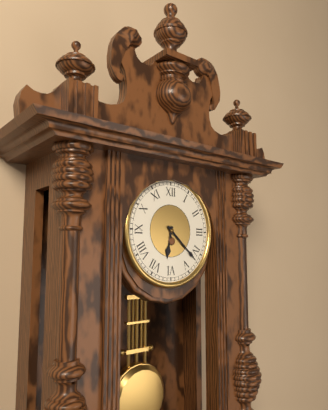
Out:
6 h 22 min
